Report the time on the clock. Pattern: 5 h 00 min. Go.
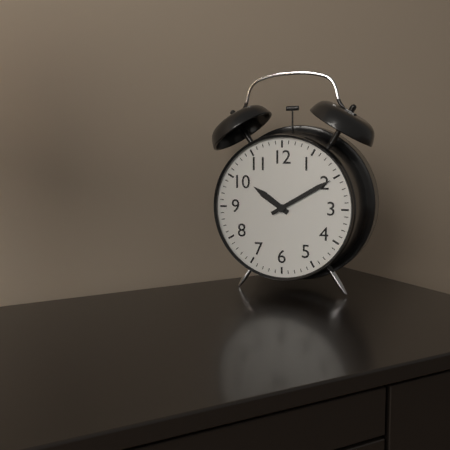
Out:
10 h 10 min
